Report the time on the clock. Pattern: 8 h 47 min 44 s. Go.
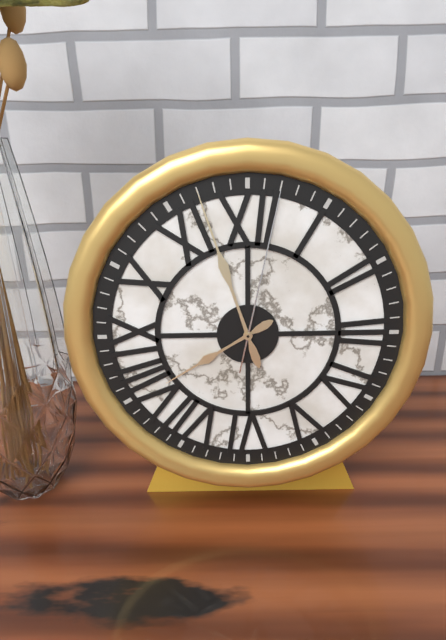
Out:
7 h 57 min 02 s
